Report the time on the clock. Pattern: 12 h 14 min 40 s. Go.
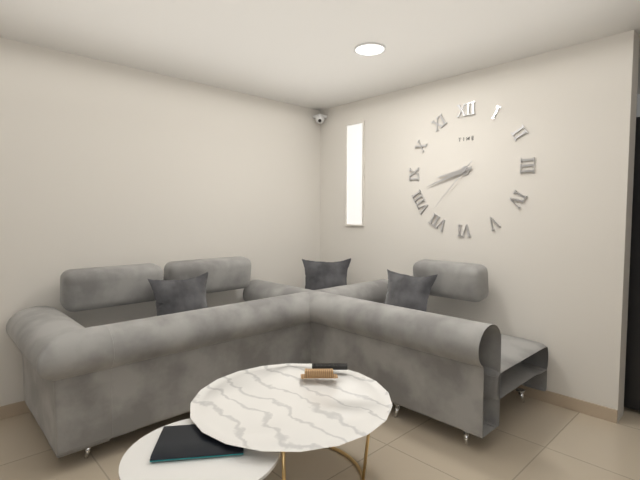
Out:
8 h 42 min 37 s
